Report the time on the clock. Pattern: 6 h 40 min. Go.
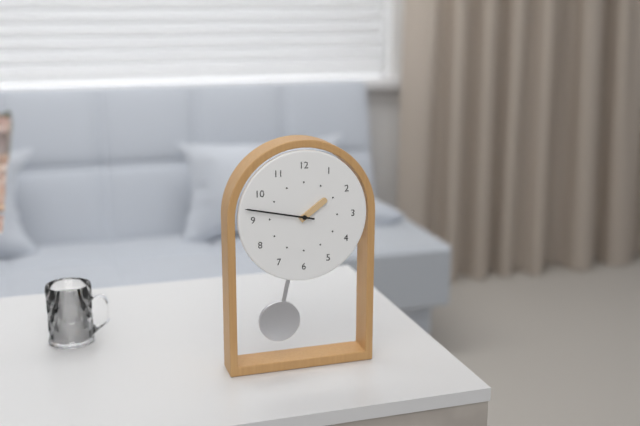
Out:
1 h 47 min
